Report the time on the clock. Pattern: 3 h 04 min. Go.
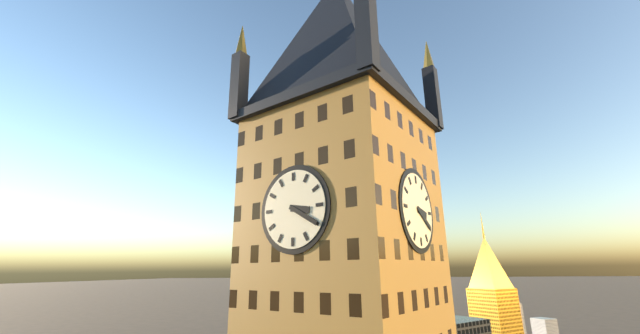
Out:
3 h 20 min
